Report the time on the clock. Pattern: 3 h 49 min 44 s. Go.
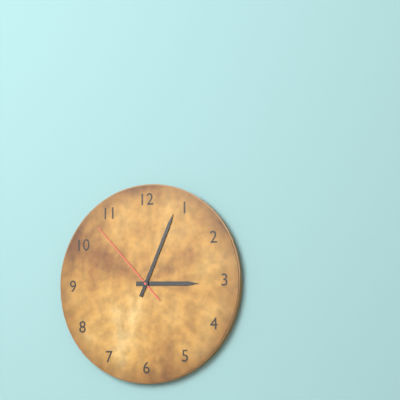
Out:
3 h 04 min 53 s
